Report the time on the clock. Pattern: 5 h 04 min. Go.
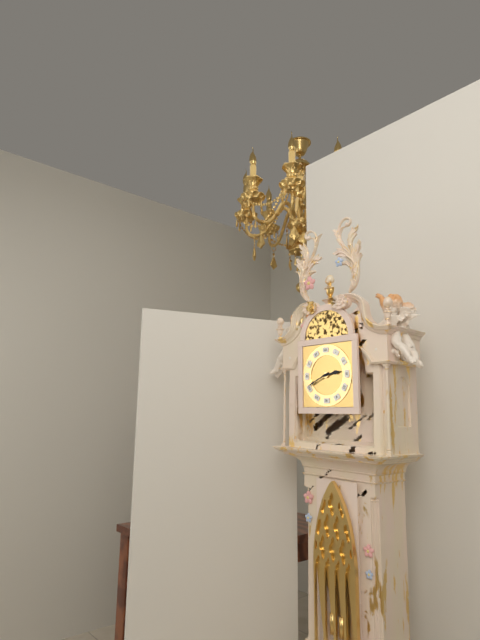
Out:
2 h 41 min
